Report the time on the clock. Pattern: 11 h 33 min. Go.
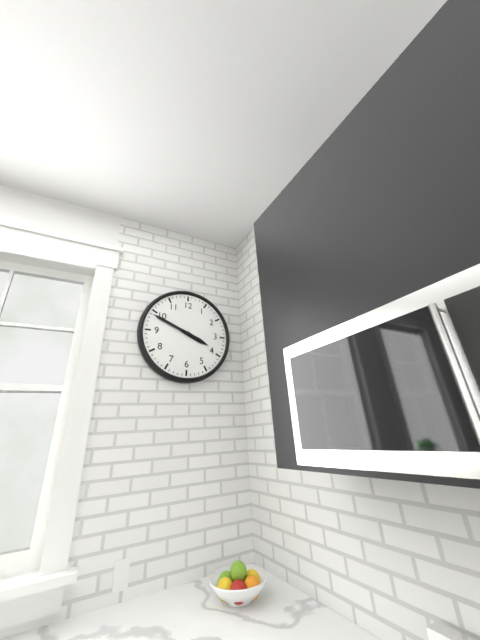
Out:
3 h 49 min
